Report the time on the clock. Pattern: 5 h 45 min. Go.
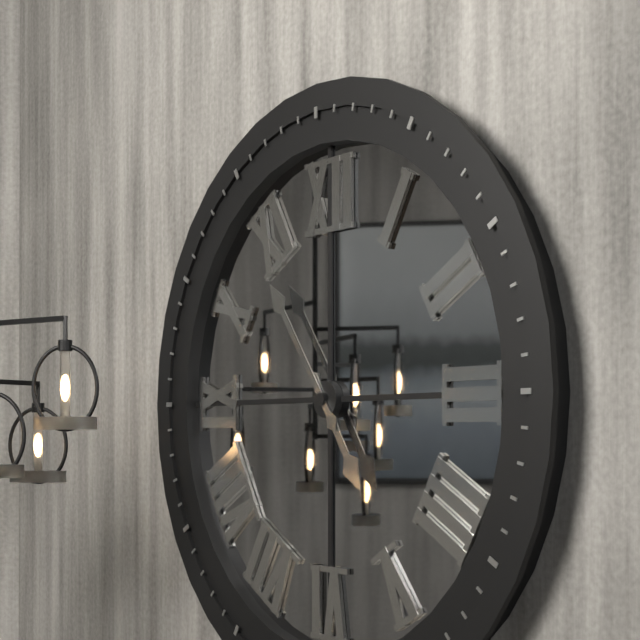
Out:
4 h 54 min
